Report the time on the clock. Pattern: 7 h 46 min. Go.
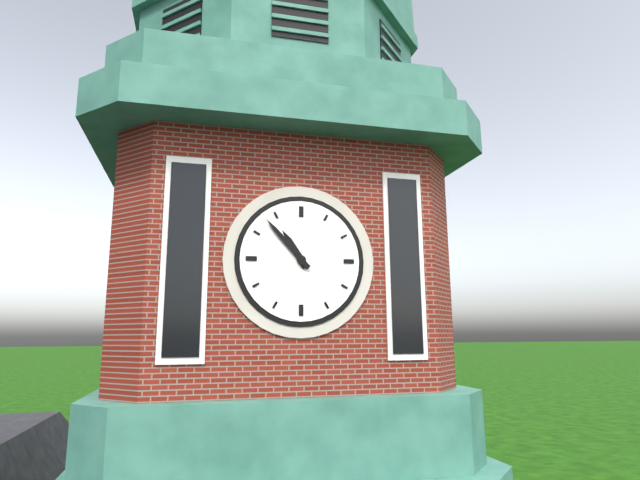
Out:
10 h 53 min
